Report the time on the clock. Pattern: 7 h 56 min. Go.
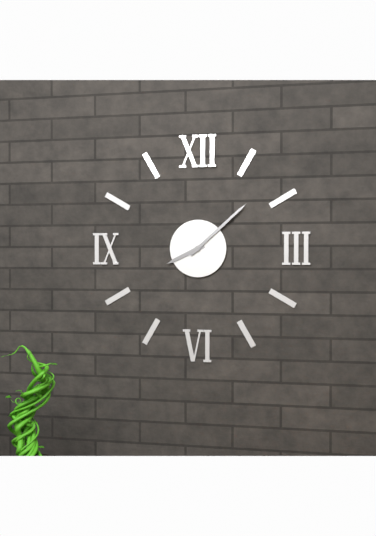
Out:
8 h 08 min
